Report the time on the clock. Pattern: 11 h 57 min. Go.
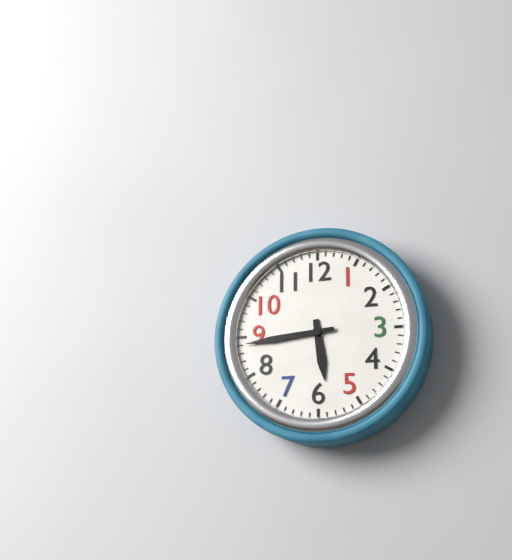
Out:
5 h 44 min
